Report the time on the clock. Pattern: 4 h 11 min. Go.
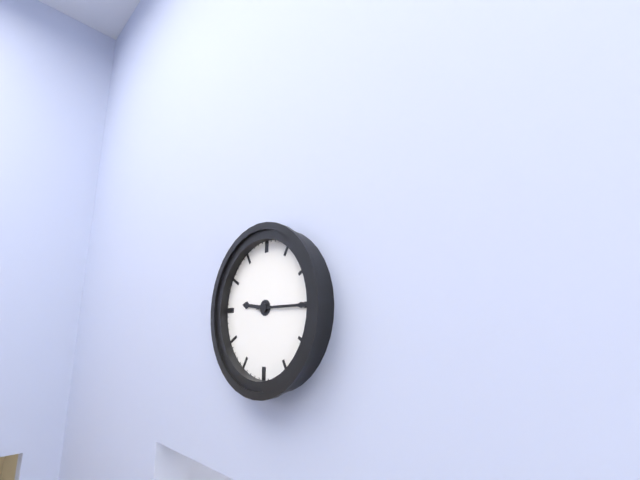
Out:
9 h 15 min
